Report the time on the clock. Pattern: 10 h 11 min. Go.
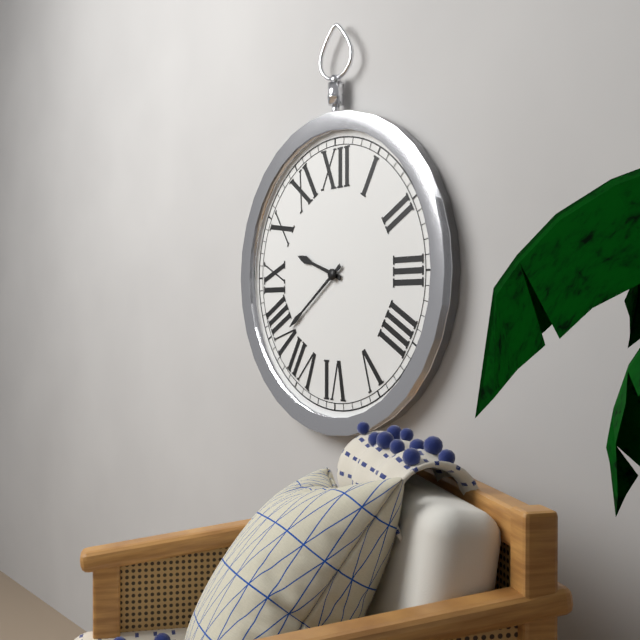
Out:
9 h 39 min
